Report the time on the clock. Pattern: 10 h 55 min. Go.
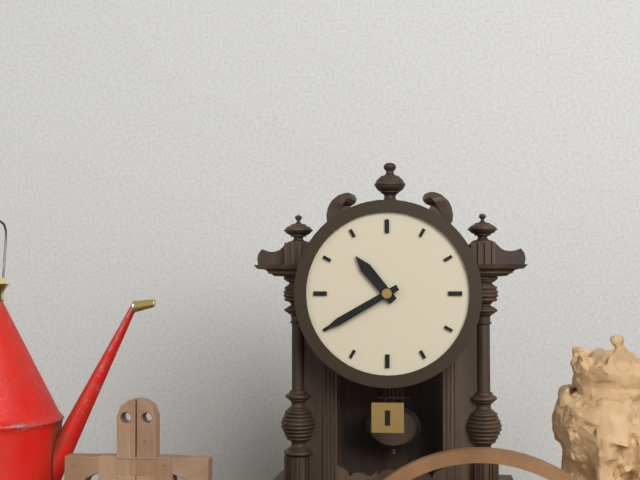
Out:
10 h 40 min
